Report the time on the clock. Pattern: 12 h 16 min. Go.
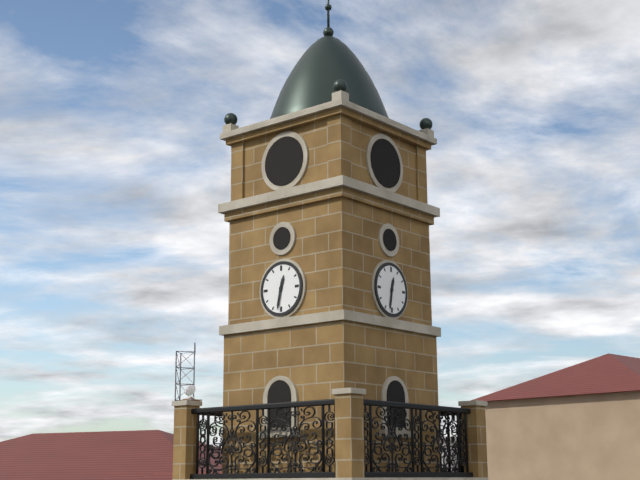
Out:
12 h 32 min
